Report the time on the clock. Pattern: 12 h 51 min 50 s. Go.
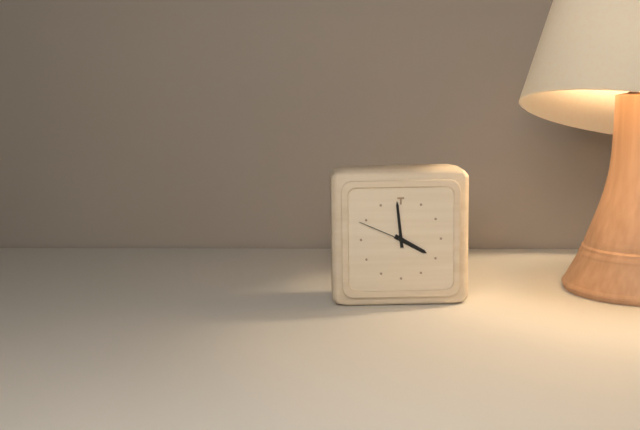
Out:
3 h 59 min 49 s
